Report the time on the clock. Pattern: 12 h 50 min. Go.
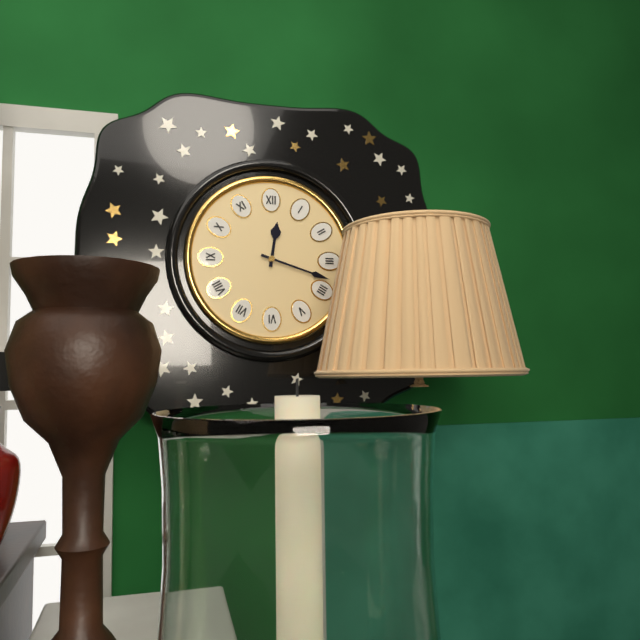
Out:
12 h 18 min
